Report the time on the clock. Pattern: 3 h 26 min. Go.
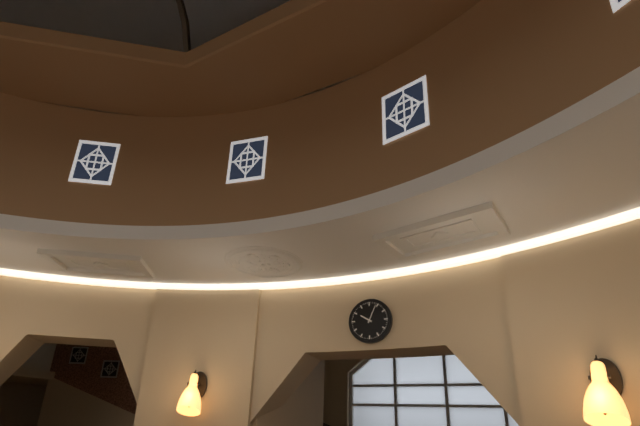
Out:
10 h 04 min
